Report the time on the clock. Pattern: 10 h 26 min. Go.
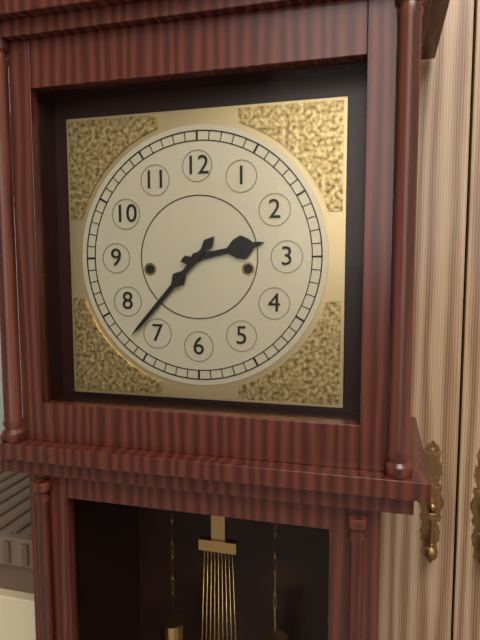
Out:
2 h 37 min
